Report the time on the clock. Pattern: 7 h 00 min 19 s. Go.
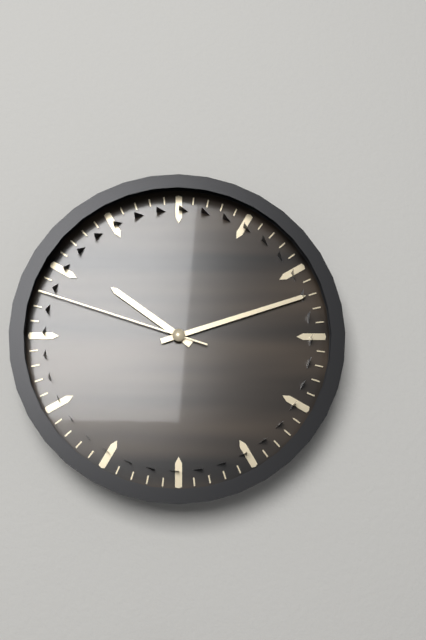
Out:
10 h 12 min 48 s
